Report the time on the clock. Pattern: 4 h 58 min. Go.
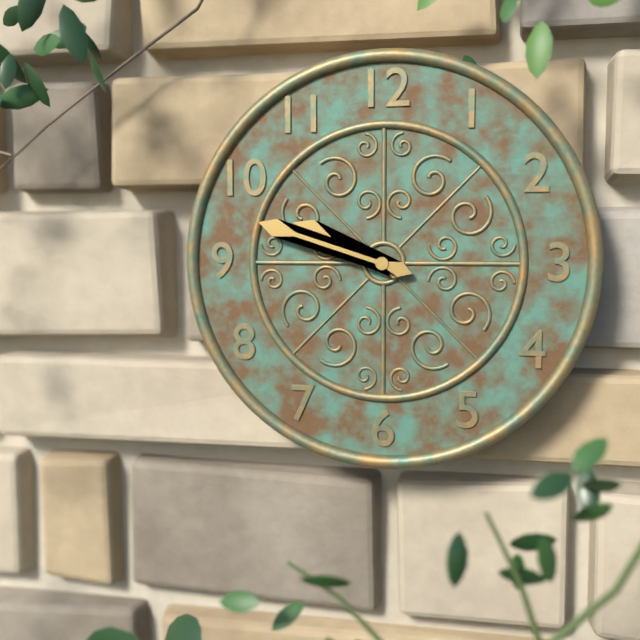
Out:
9 h 48 min
